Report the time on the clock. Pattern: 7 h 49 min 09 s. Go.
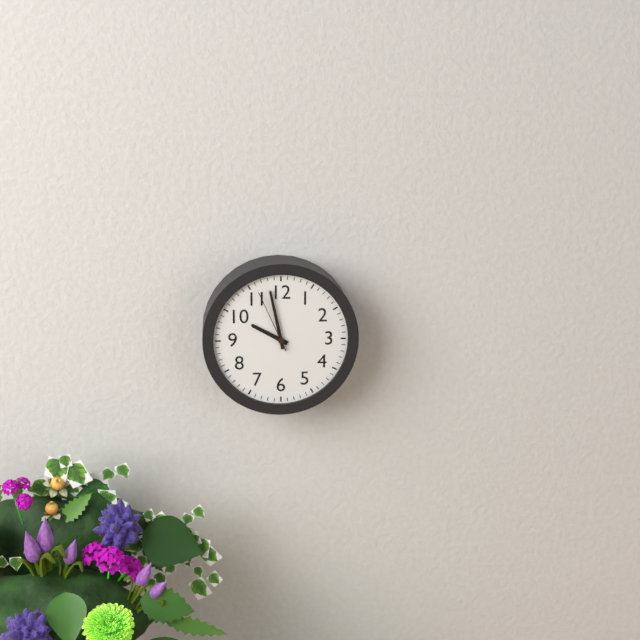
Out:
9 h 58 min 56 s
